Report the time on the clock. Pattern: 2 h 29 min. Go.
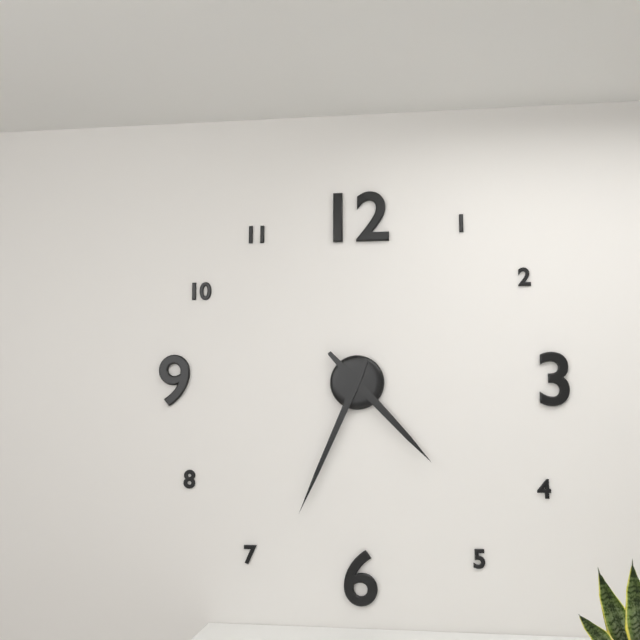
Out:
4 h 34 min
